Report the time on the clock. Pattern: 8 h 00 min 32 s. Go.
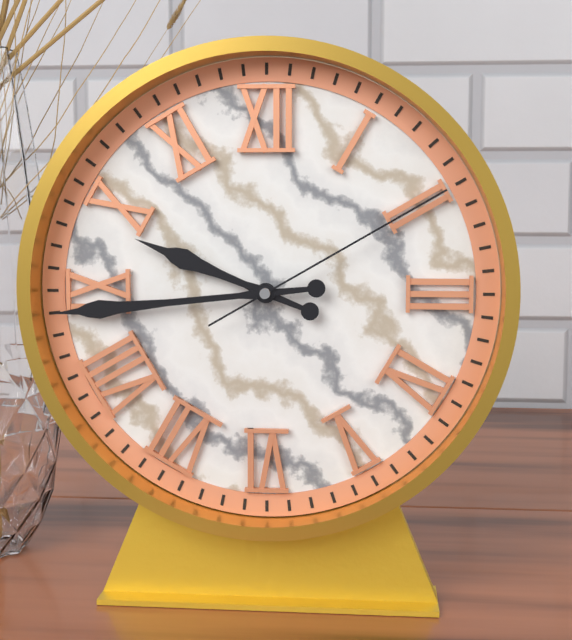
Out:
9 h 44 min 10 s
